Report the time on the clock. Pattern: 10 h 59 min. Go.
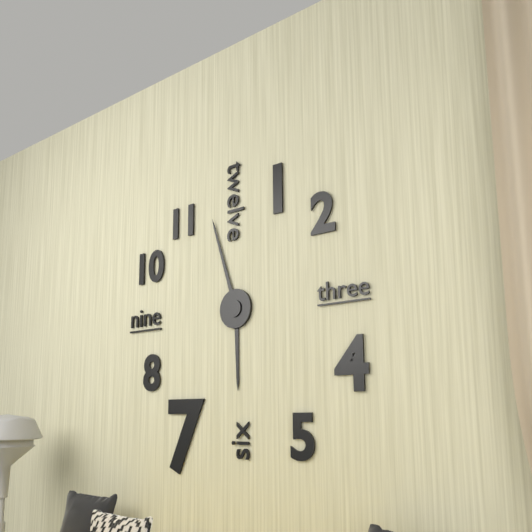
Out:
5 h 57 min
